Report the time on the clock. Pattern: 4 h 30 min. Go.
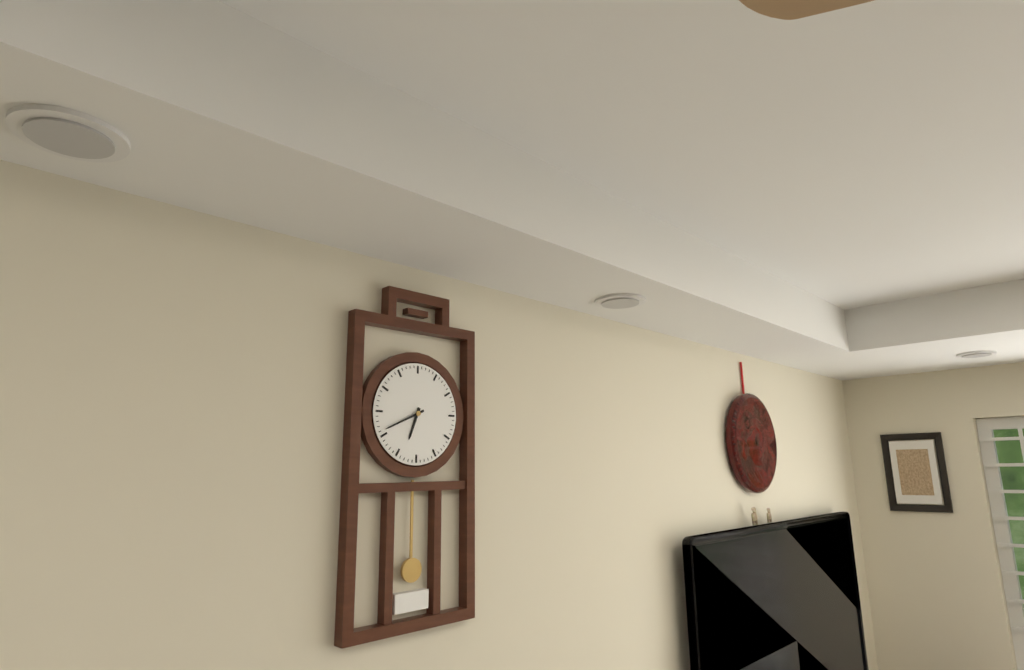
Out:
6 h 41 min
